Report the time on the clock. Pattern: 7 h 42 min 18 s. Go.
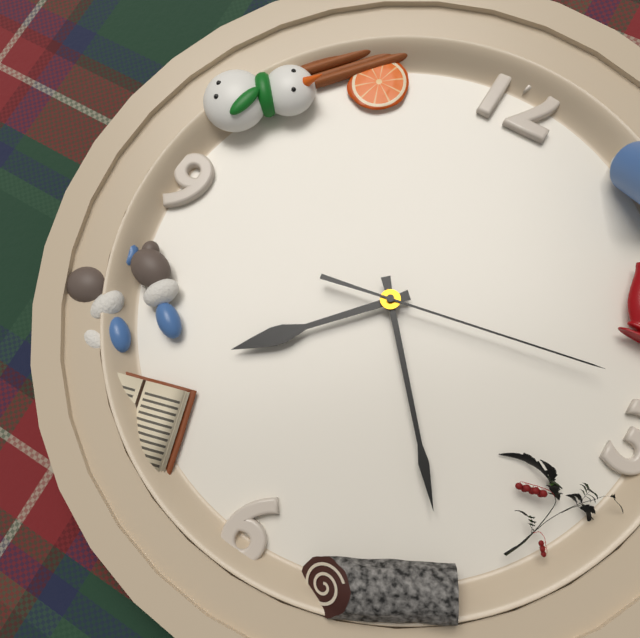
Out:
7 h 23 min 13 s
